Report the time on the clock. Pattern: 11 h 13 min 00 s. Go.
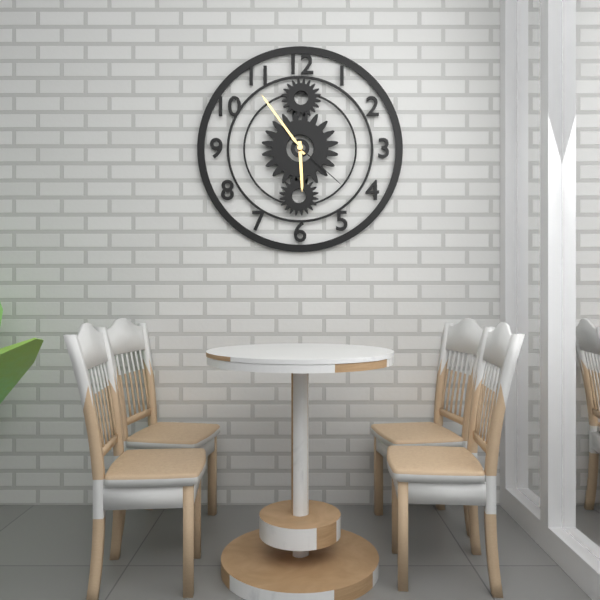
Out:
5 h 54 min 22 s
